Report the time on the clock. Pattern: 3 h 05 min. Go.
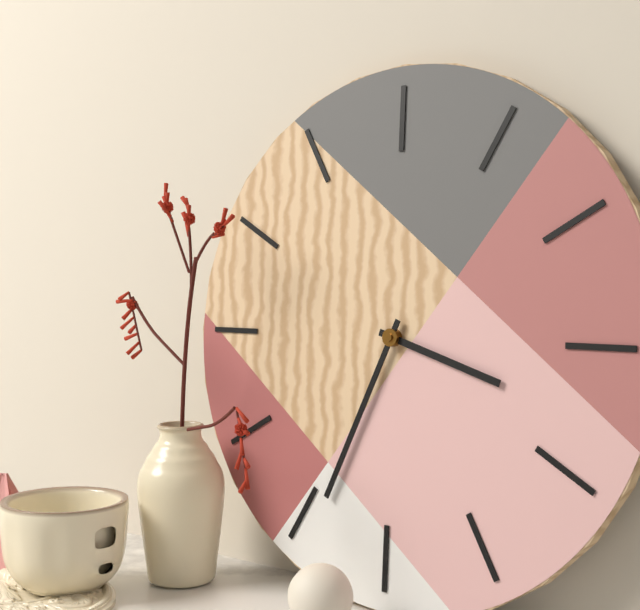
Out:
3 h 34 min
